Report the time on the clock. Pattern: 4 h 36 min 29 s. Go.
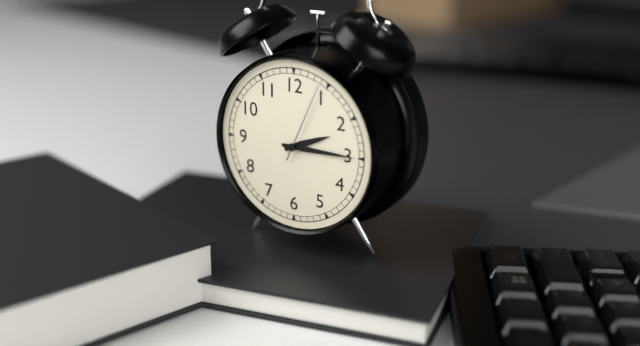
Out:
2 h 15 min 04 s
